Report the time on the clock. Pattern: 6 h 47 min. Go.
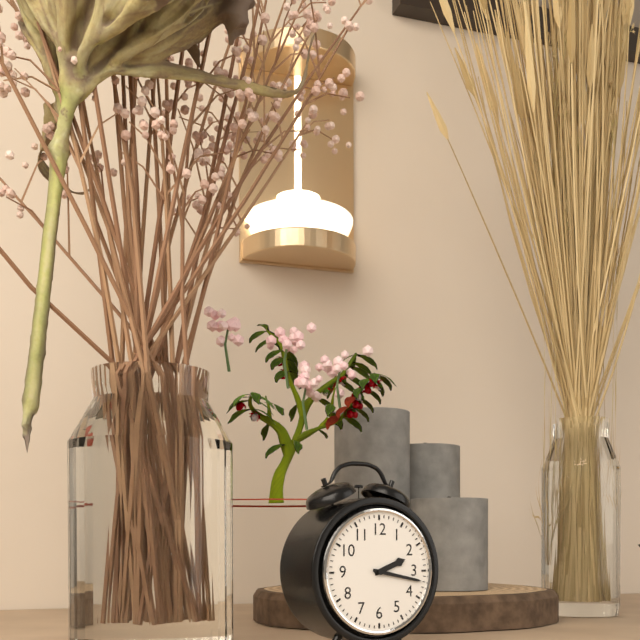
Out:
2 h 17 min
